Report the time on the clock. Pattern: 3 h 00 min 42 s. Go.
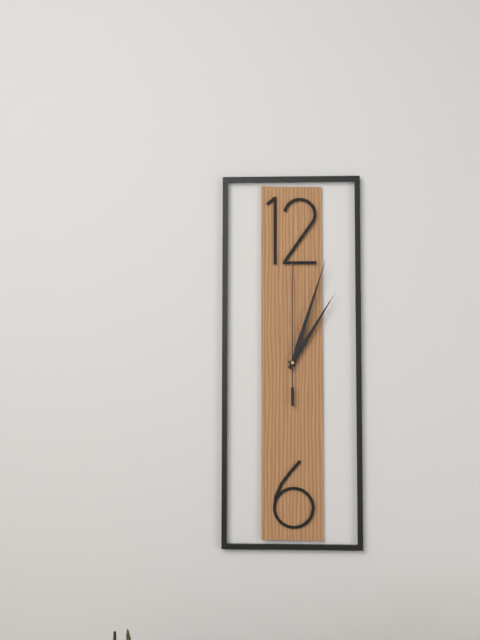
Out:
1 h 03 min 00 s
